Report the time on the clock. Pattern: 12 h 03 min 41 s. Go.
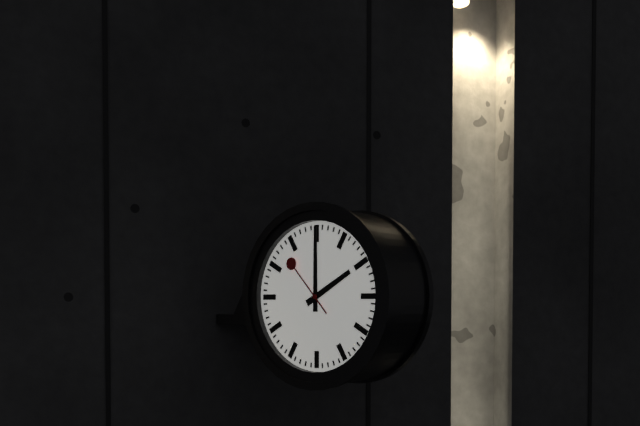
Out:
2 h 00 min 53 s
